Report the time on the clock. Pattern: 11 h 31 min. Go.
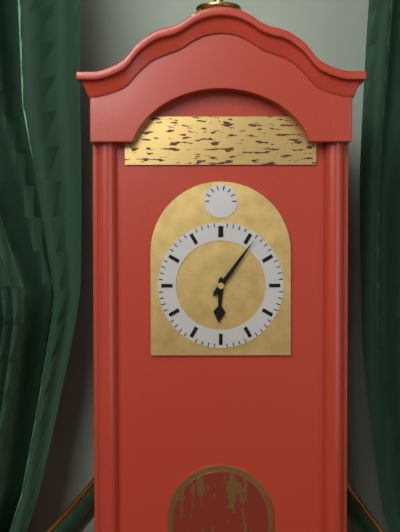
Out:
6 h 06 min
